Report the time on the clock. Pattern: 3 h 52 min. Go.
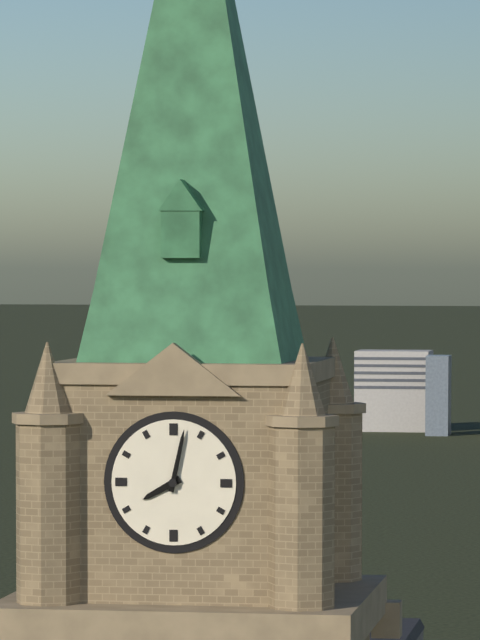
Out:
8 h 02 min
